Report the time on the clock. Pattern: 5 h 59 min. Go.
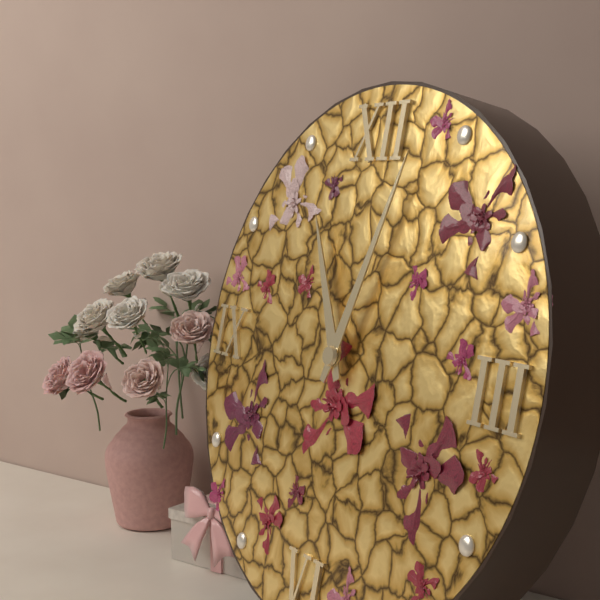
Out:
11 h 03 min
